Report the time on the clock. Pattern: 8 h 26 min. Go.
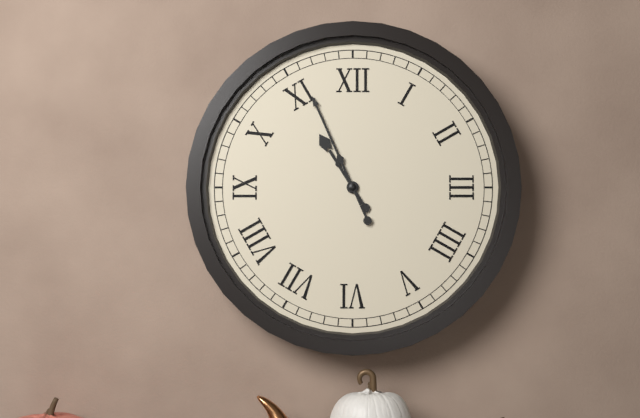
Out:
10 h 56 min
